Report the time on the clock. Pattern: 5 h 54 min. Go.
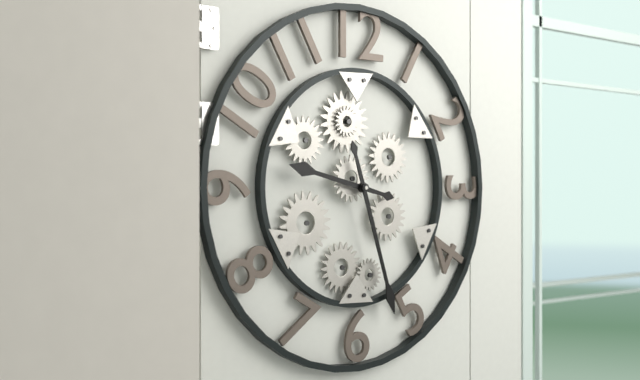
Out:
9 h 27 min
